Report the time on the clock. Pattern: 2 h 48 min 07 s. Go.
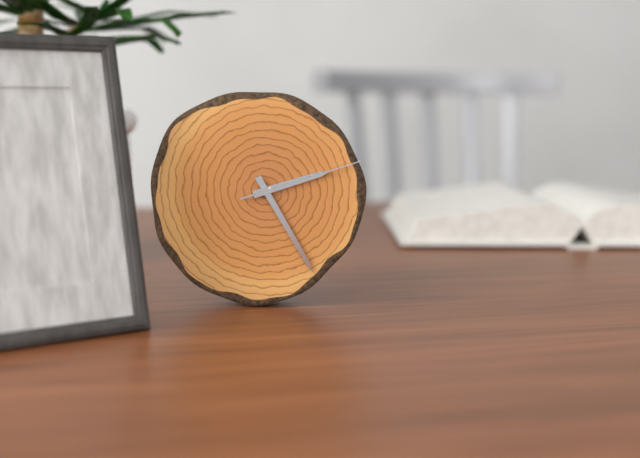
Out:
2 h 25 min 12 s
